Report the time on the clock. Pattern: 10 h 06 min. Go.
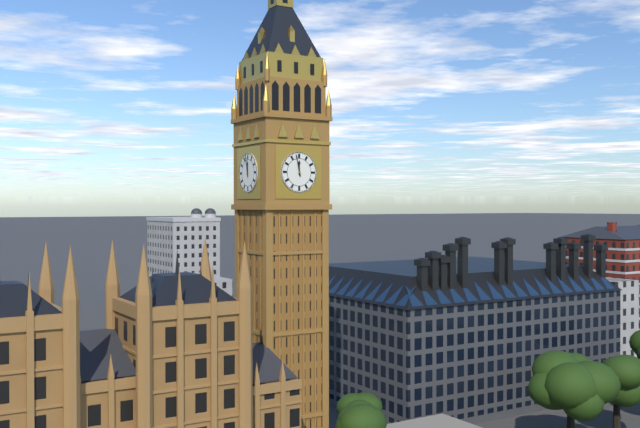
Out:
11 h 58 min
